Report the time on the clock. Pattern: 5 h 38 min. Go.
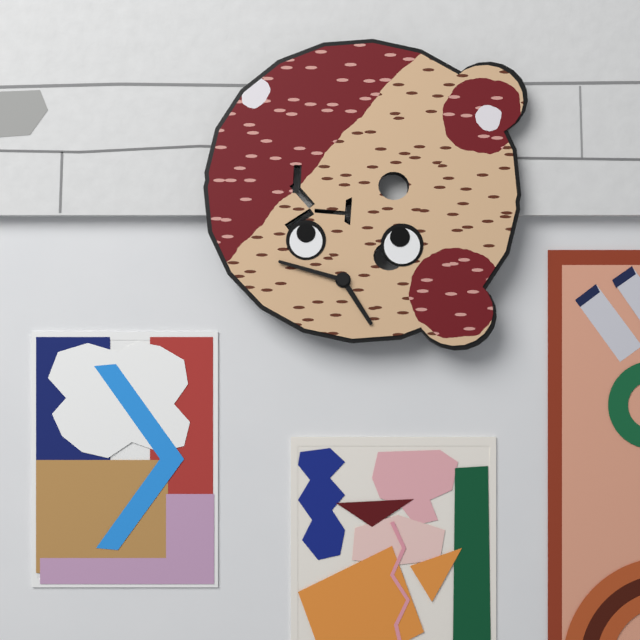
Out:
4 h 47 min
